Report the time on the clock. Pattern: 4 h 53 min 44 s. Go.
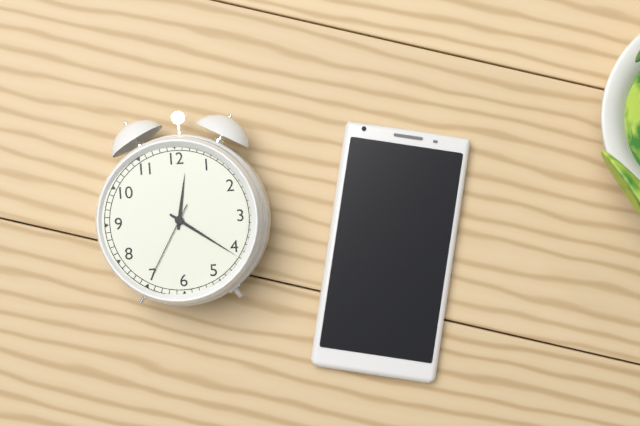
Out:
12 h 21 min 35 s
